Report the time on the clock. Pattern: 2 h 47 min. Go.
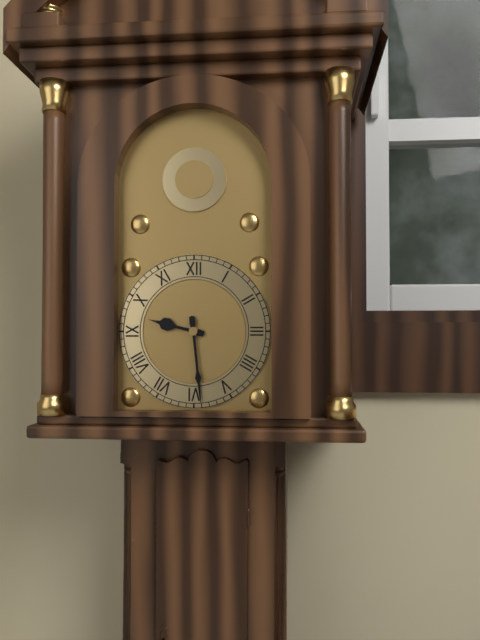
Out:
9 h 29 min
